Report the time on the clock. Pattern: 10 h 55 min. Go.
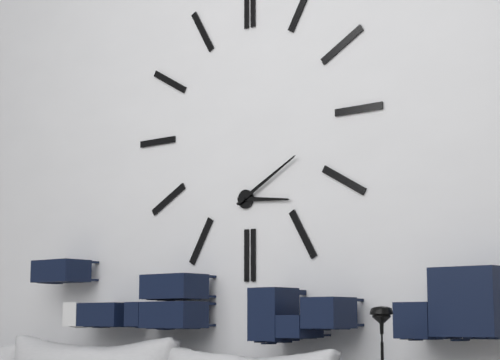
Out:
3 h 10 min
